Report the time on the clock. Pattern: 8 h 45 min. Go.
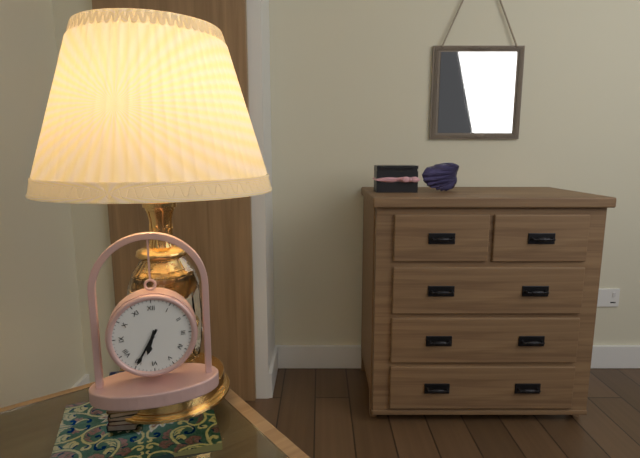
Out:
6 h 35 min
